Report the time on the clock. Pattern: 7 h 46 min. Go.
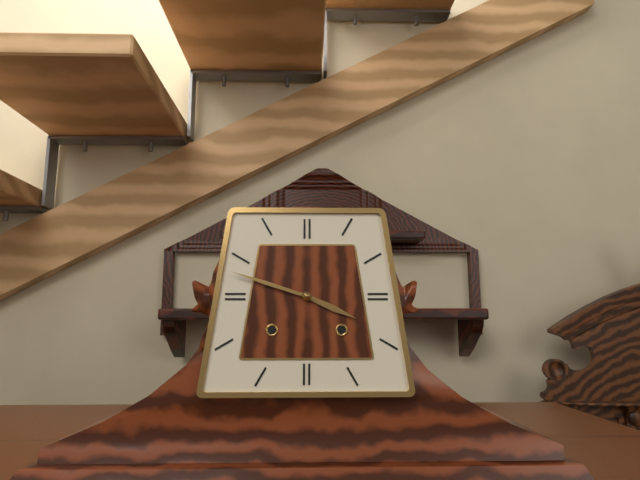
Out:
3 h 48 min
